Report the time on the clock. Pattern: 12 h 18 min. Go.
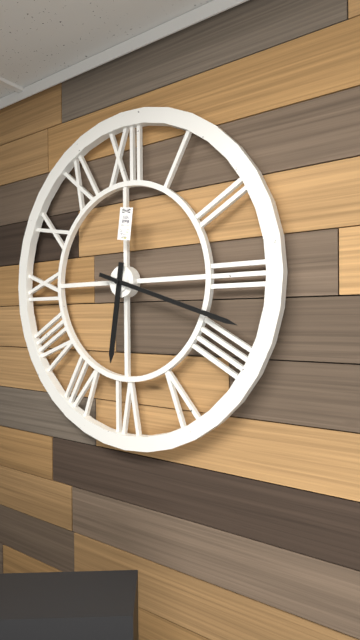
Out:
6 h 18 min
